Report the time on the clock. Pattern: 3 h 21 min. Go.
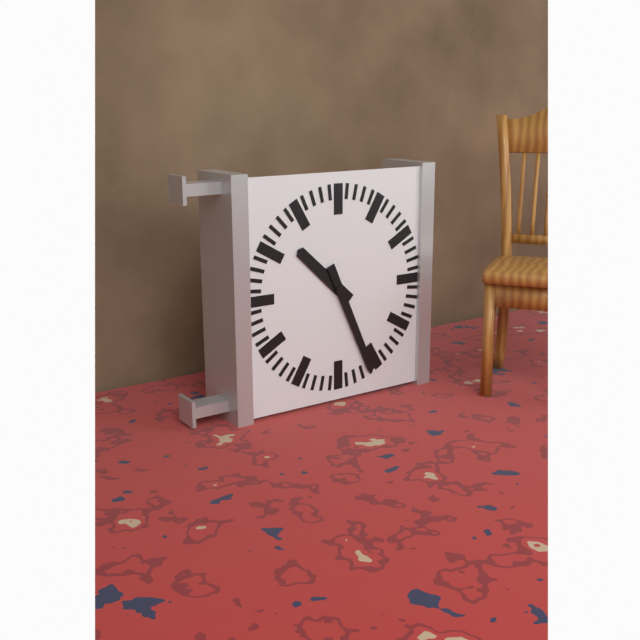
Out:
10 h 26 min
